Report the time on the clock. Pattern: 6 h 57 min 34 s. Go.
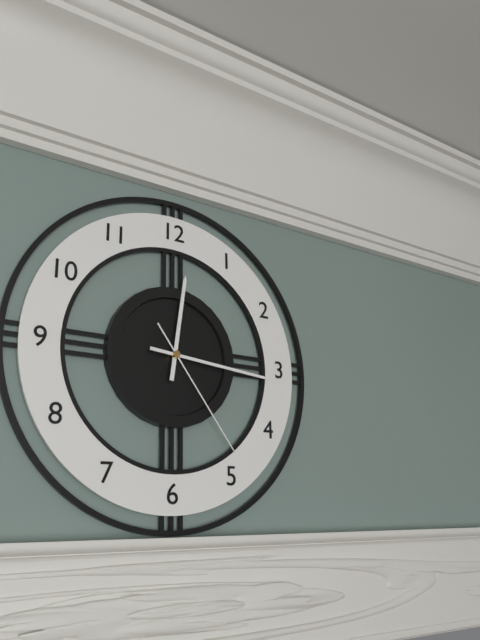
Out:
12 h 16 min 24 s
